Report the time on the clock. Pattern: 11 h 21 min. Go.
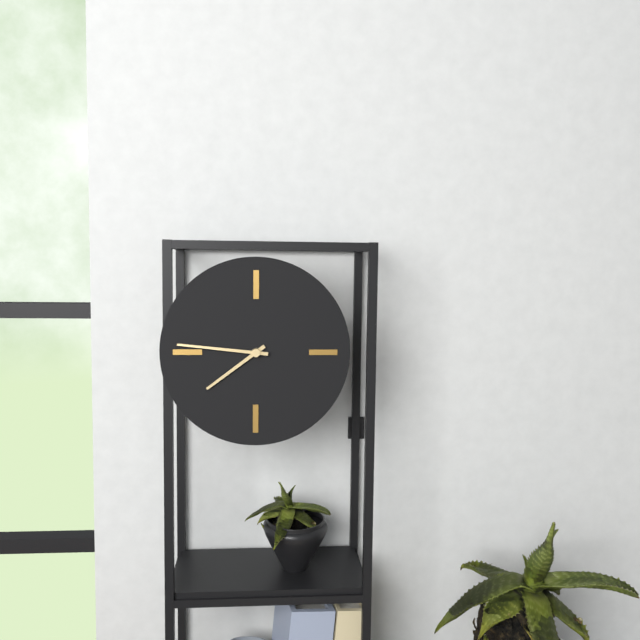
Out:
7 h 46 min
